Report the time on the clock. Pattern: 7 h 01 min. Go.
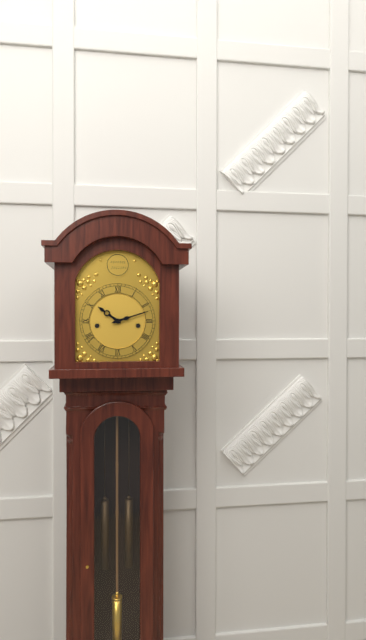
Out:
10 h 12 min
